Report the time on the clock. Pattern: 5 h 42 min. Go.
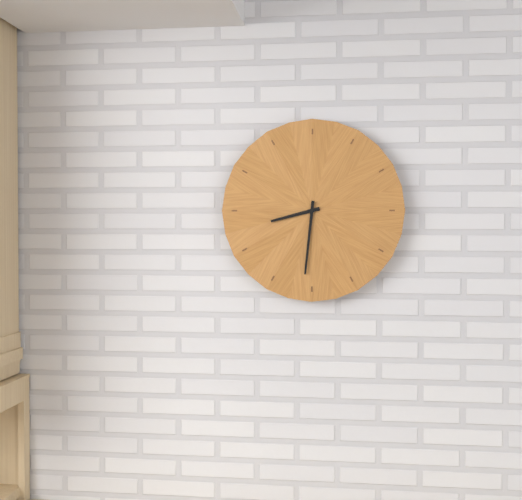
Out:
8 h 31 min
